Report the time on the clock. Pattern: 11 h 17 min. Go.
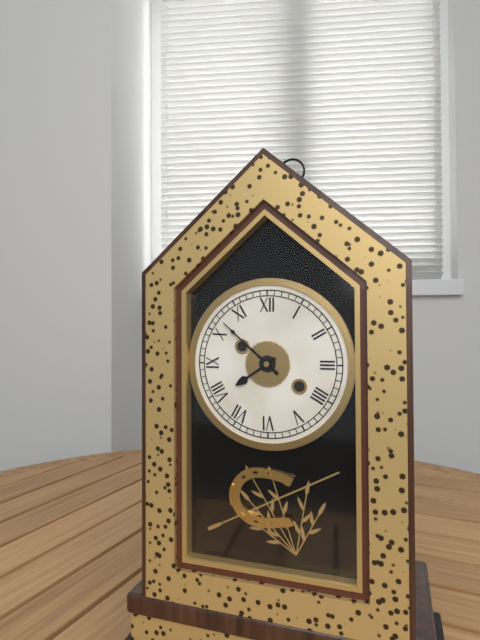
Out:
7 h 52 min
